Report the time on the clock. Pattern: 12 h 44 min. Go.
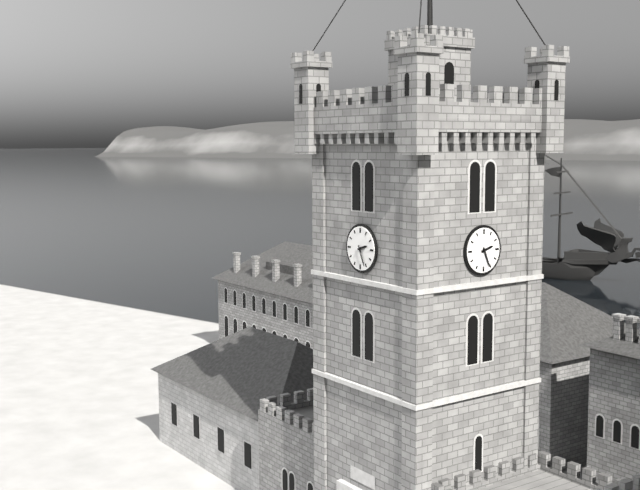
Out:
2 h 26 min
